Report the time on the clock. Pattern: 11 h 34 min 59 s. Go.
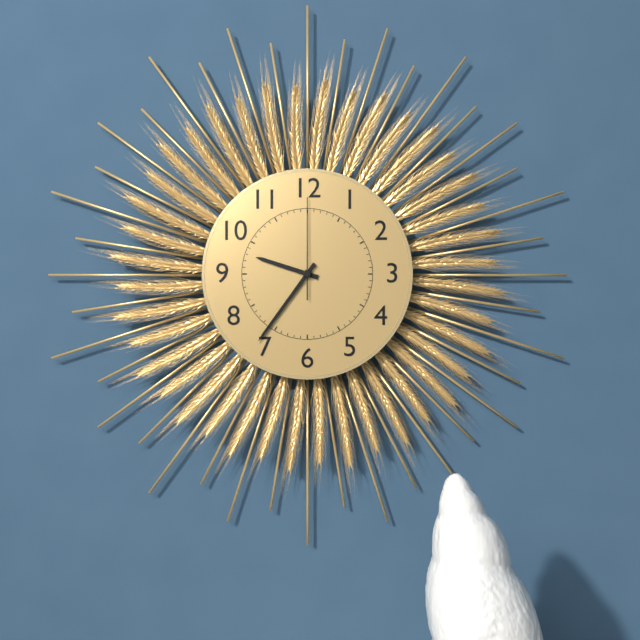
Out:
9 h 36 min 00 s
